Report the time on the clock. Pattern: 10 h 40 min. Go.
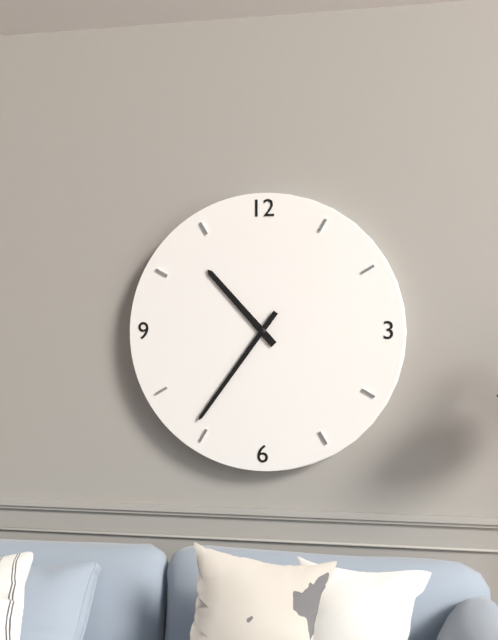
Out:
10 h 36 min
